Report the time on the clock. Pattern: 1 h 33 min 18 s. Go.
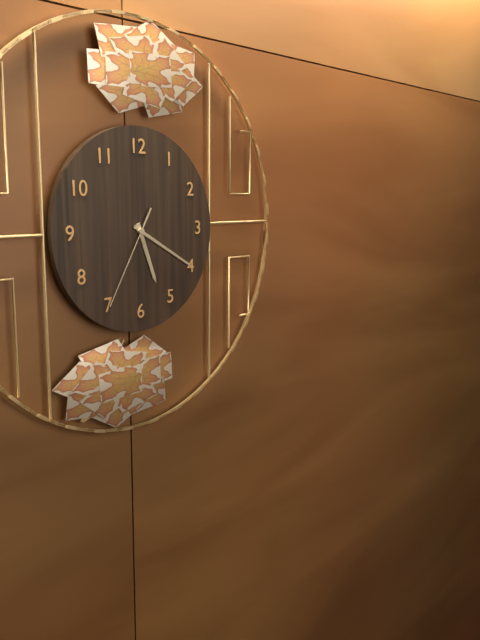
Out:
5 h 20 min 35 s
